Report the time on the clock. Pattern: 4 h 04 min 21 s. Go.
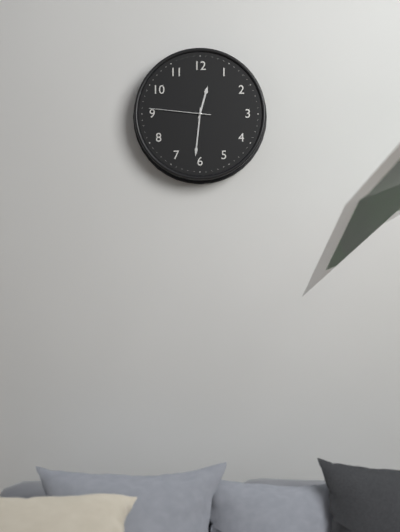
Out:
12 h 31 min 46 s
